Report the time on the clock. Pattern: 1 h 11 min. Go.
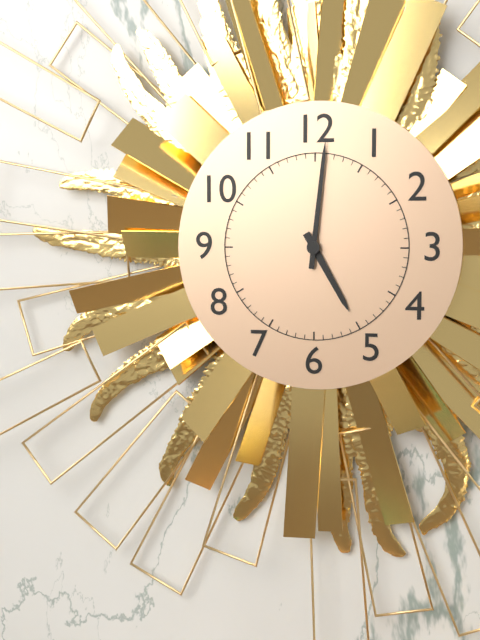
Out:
5 h 01 min
